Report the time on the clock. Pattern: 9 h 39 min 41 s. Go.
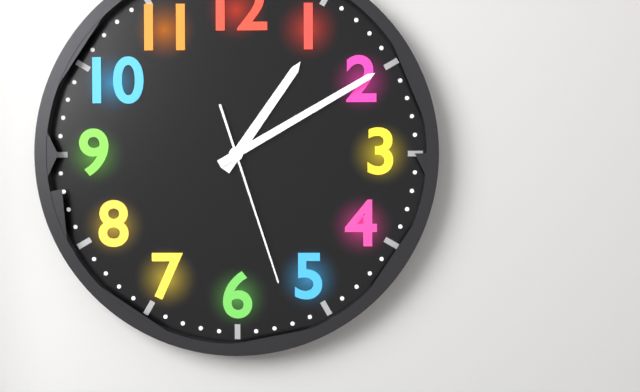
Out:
1 h 10 min 27 s
